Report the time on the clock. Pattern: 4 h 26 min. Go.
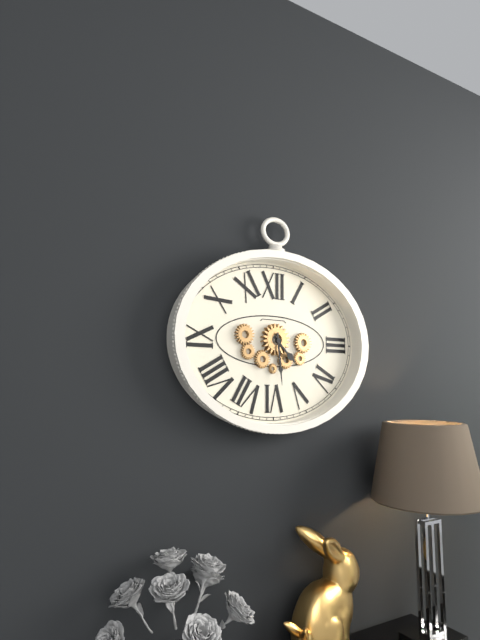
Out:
4 h 29 min
